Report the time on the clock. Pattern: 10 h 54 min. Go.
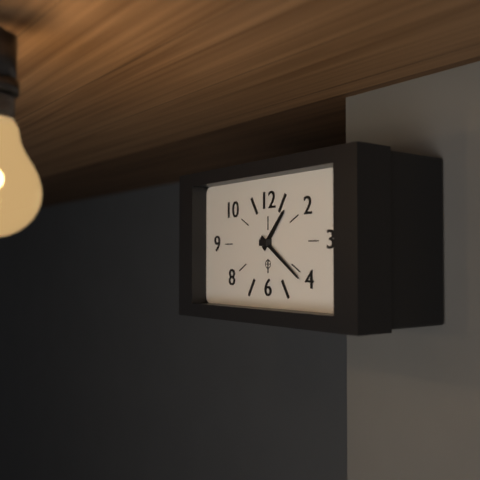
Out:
1 h 21 min
